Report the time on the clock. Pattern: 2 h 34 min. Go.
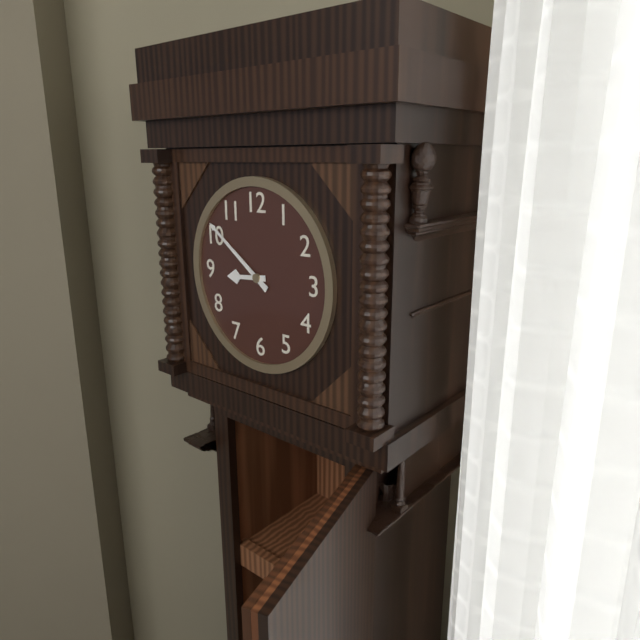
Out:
8 h 51 min
